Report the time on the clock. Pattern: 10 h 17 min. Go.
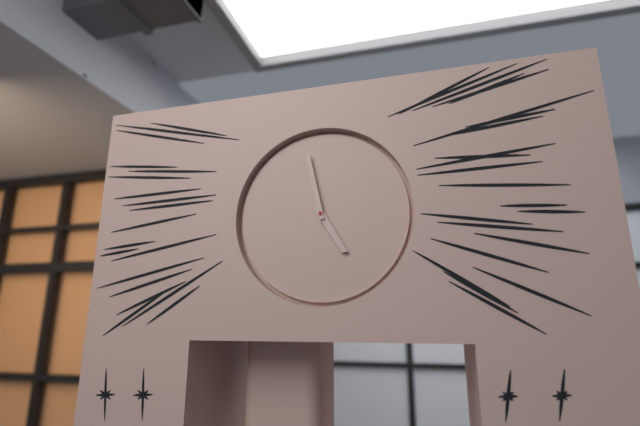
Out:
4 h 58 min
